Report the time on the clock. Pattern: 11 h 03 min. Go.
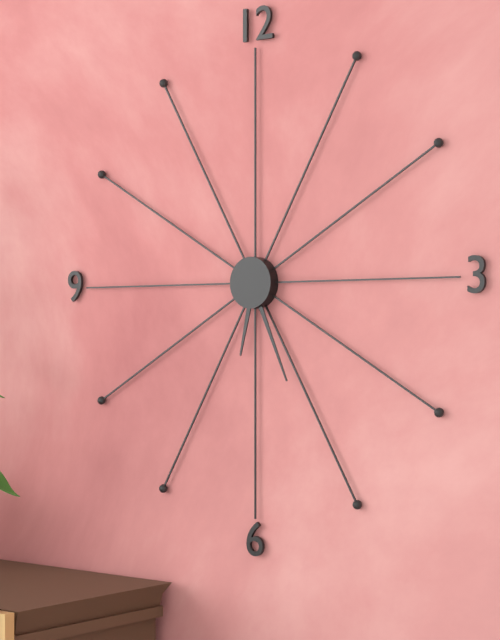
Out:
6 h 26 min
